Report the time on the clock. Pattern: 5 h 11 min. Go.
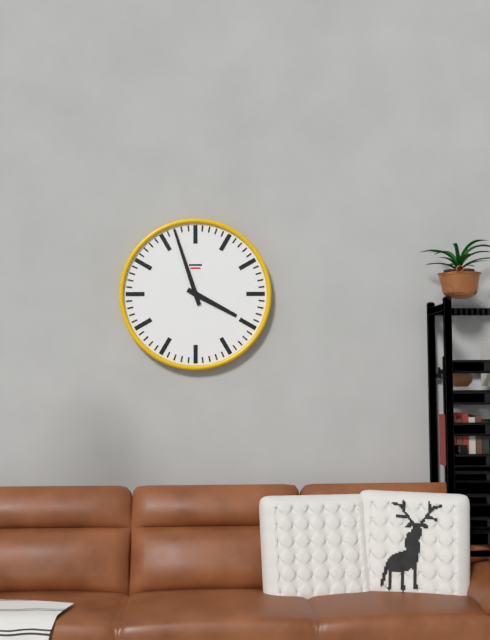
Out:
3 h 57 min
